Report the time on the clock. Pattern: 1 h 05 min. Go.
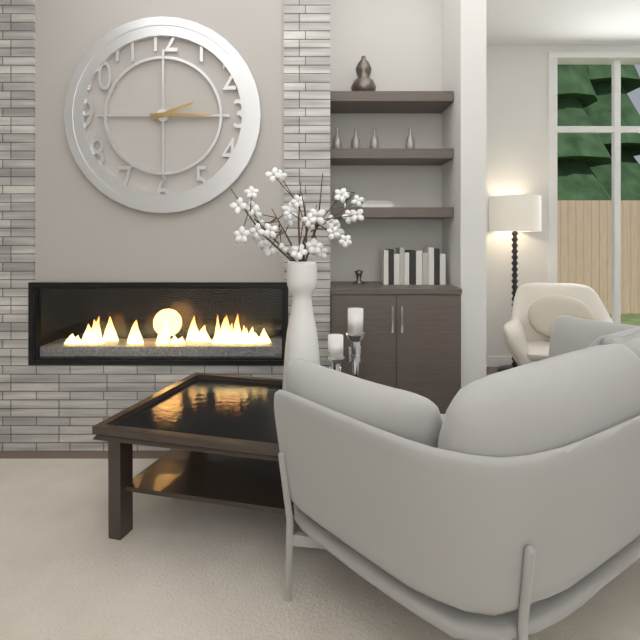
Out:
2 h 15 min
